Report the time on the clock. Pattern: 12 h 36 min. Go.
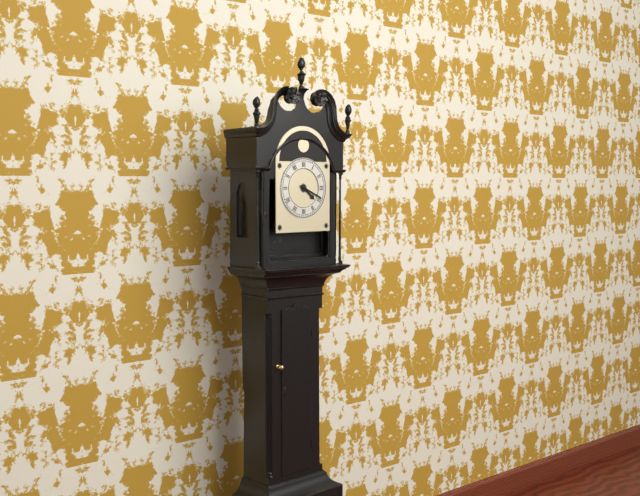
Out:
4 h 19 min
